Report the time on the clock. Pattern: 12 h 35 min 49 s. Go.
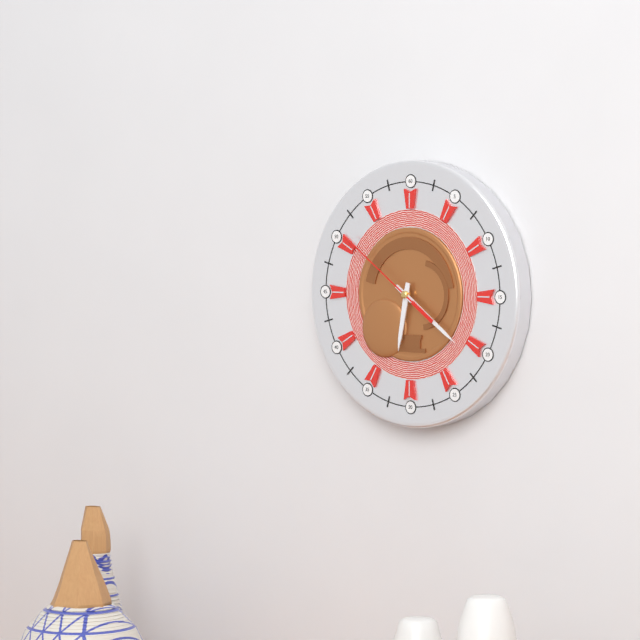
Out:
6 h 21 min 51 s
